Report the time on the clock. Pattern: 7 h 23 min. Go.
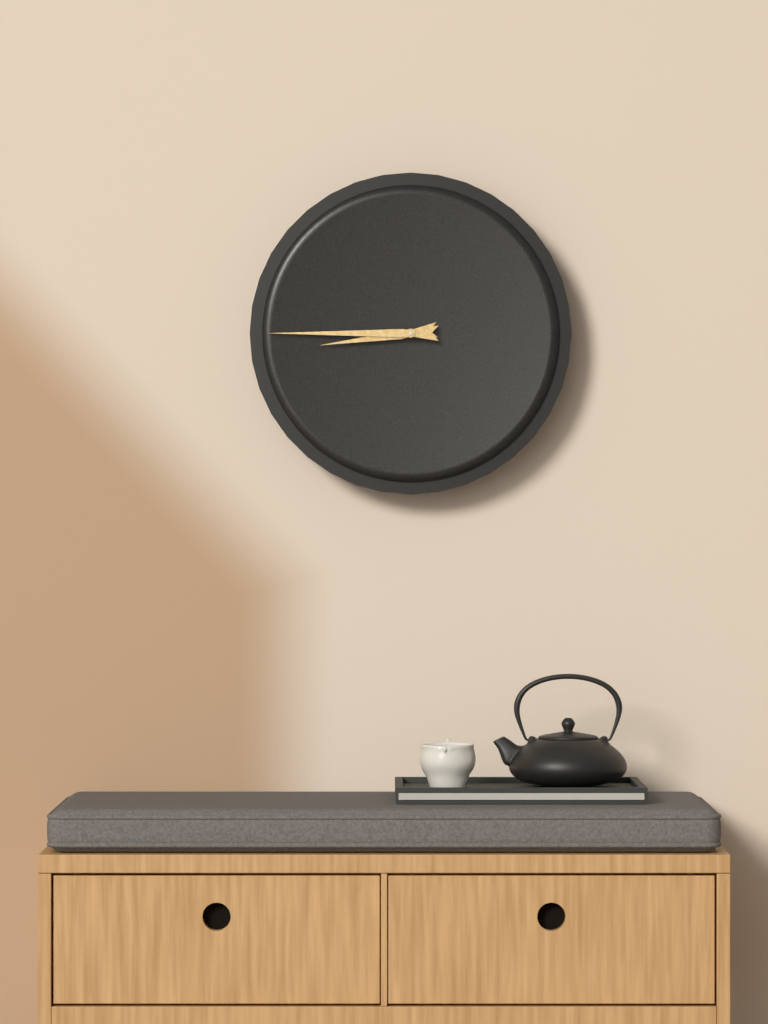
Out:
8 h 45 min
